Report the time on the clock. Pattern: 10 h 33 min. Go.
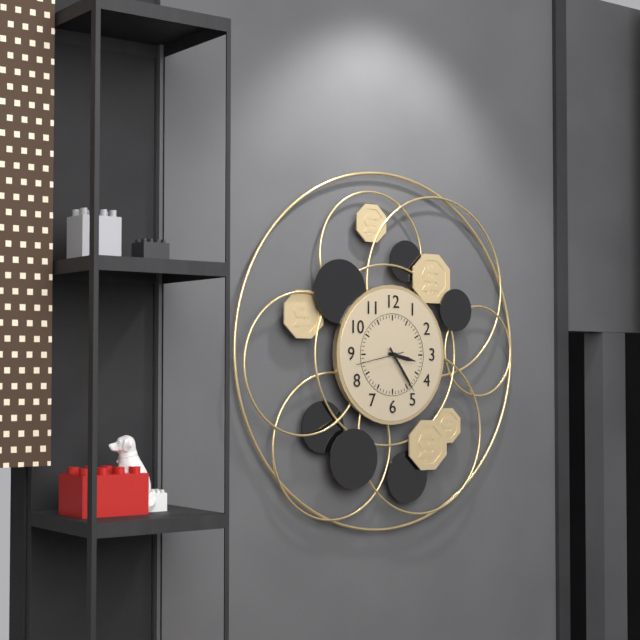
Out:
3 h 24 min
